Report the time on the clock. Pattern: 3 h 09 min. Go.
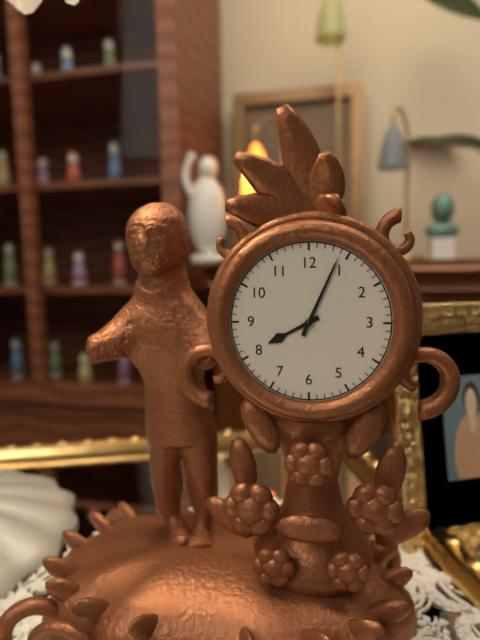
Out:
8 h 04 min
